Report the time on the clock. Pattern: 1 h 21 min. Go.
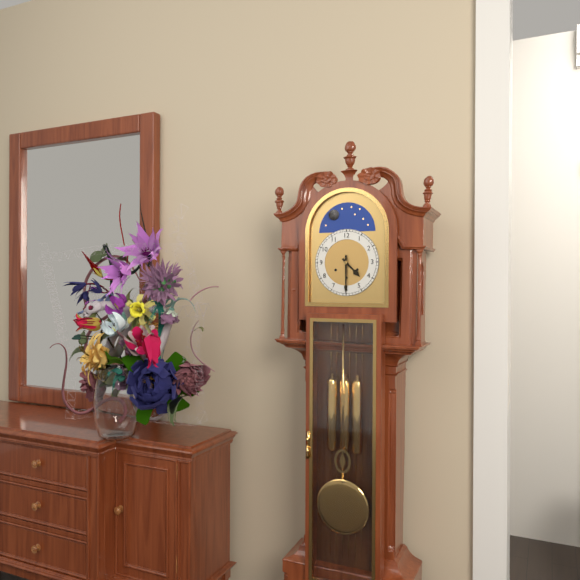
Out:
4 h 30 min
